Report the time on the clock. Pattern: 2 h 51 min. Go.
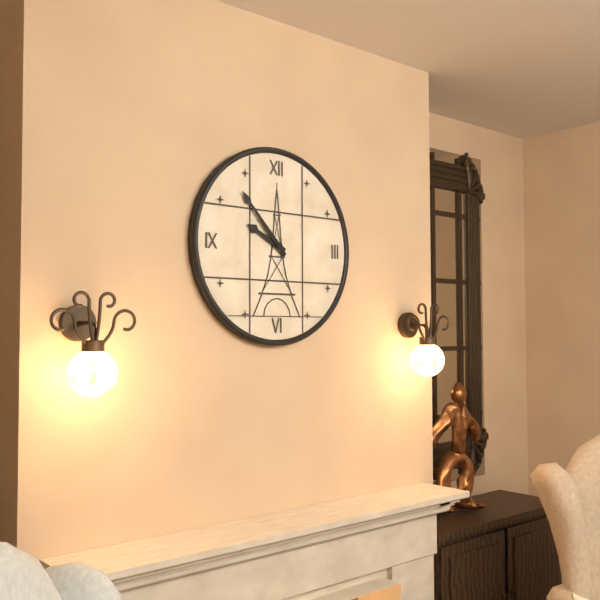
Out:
9 h 53 min
